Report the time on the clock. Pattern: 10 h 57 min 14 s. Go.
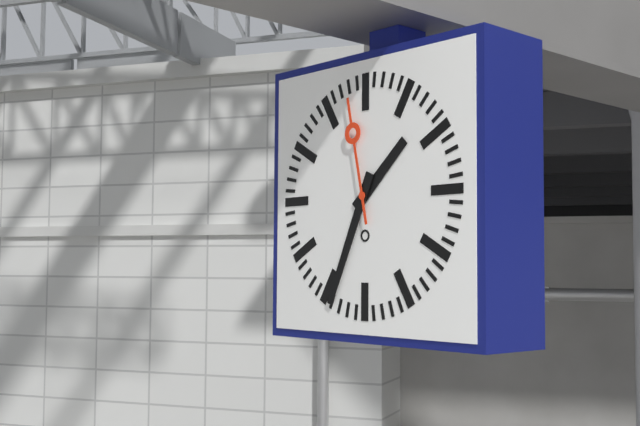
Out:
1 h 34 min 58 s
